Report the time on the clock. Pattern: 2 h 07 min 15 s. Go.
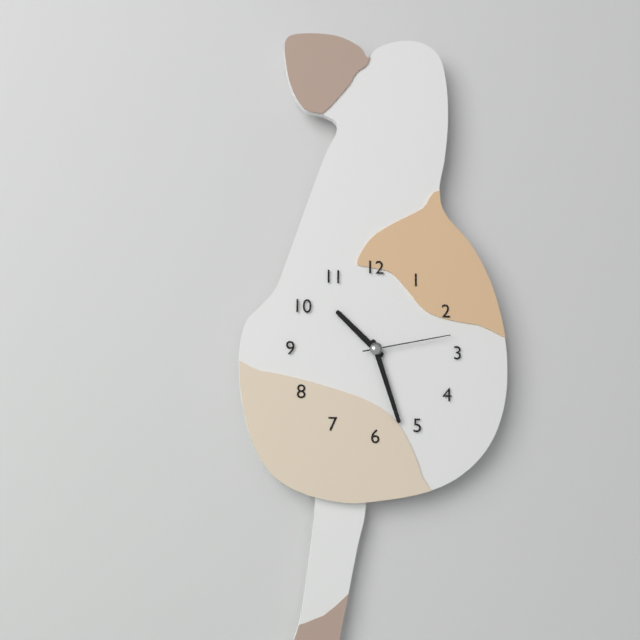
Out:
10 h 27 min 13 s
